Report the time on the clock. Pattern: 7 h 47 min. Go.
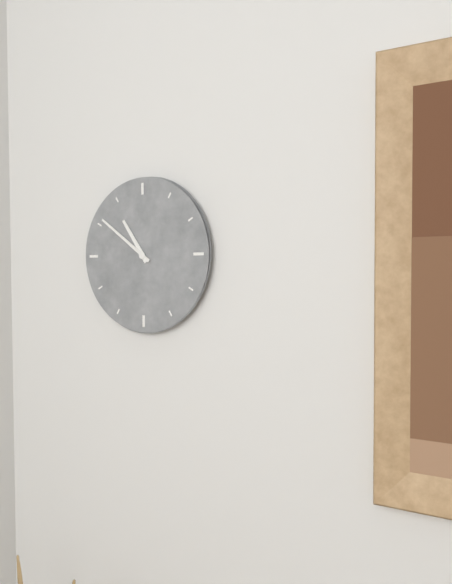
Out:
10 h 51 min
